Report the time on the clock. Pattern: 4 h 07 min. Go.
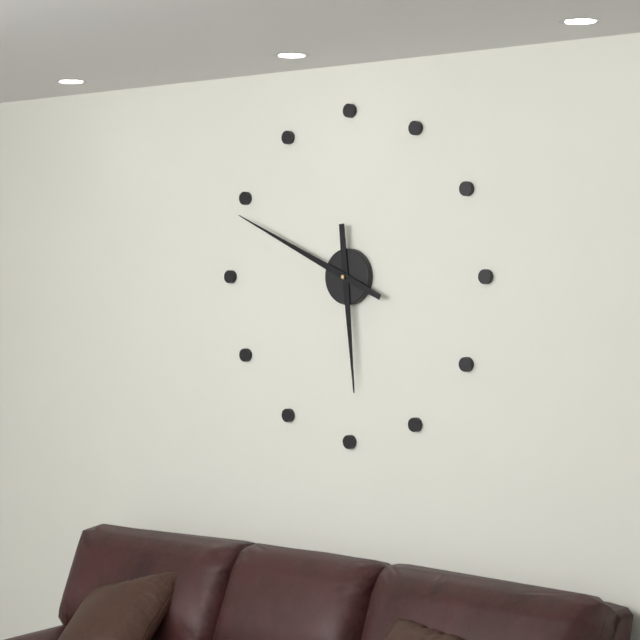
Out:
5 h 49 min
